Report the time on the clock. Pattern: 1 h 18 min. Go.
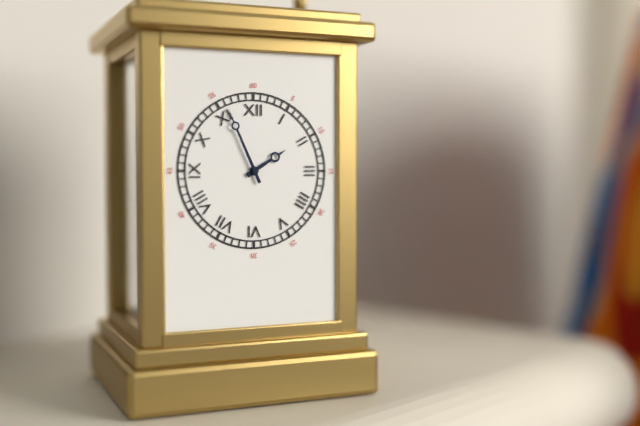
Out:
1 h 56 min
